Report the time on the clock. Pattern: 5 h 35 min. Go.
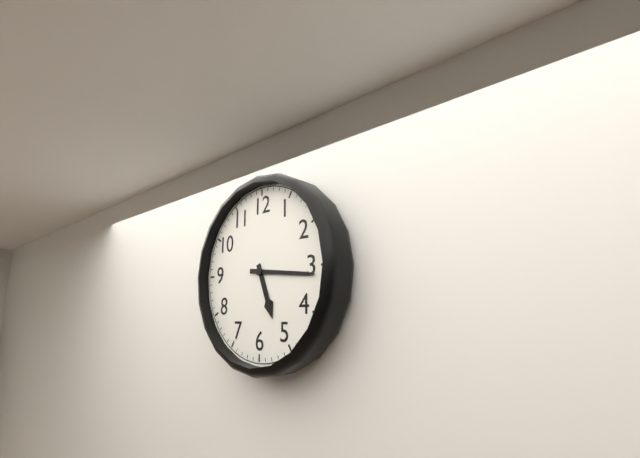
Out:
5 h 16 min
